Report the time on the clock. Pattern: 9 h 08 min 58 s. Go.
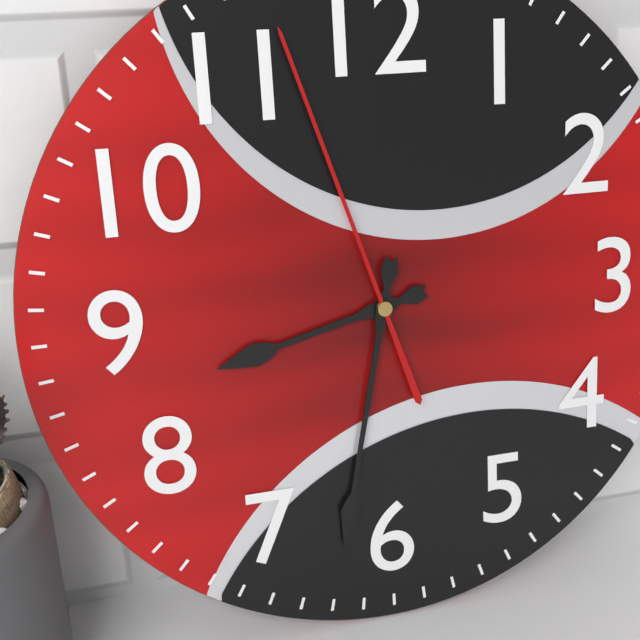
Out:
8 h 32 min 57 s
